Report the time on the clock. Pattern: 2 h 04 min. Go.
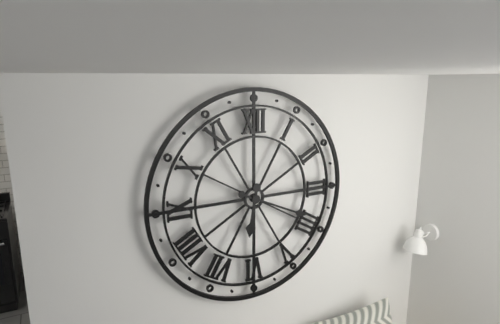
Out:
6 h 19 min
